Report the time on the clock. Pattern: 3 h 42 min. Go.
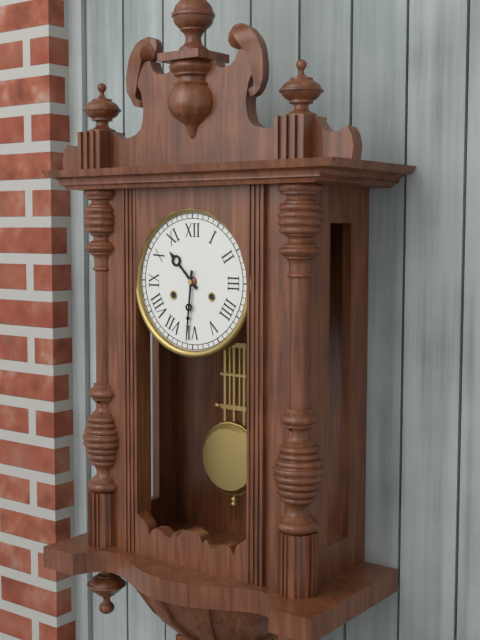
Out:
10 h 31 min
